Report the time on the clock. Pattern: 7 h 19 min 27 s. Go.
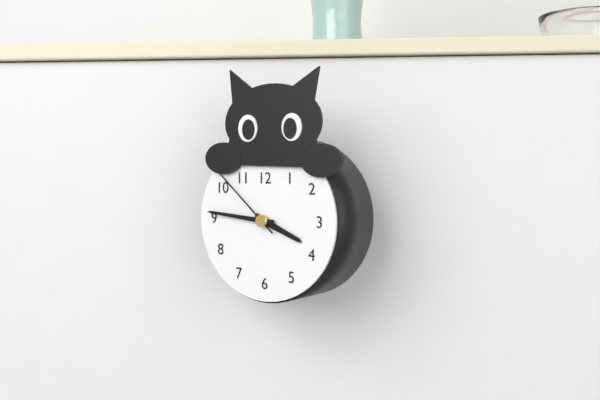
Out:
3 h 46 min 52 s
